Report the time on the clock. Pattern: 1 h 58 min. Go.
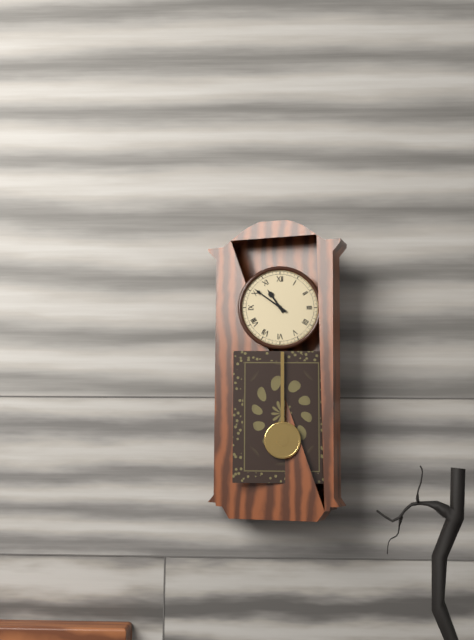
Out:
10 h 51 min
